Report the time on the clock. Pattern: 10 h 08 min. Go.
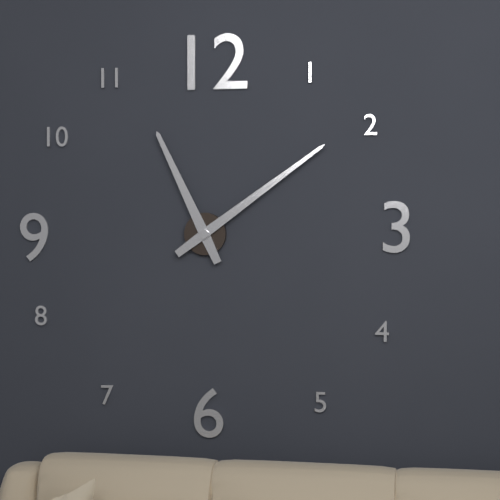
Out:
11 h 09 min
